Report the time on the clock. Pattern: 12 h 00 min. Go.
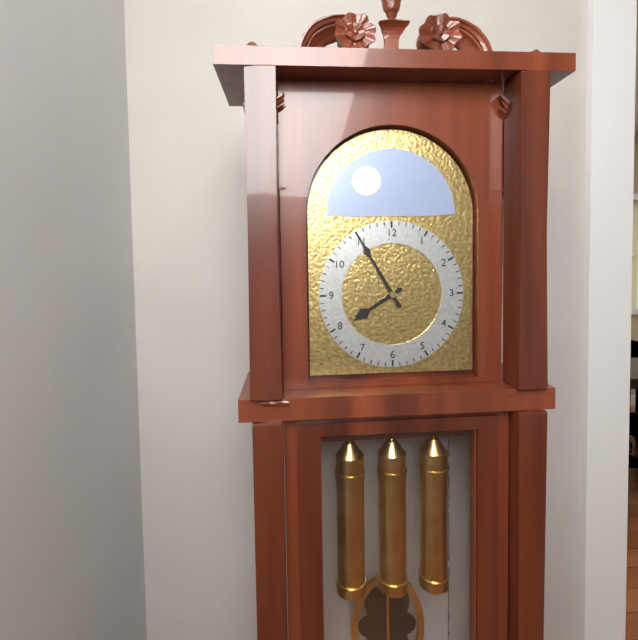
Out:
7 h 55 min
